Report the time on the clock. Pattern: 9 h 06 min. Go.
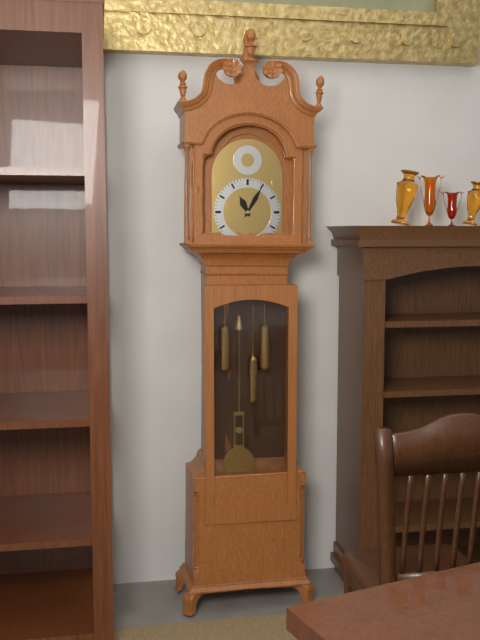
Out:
11 h 05 min
